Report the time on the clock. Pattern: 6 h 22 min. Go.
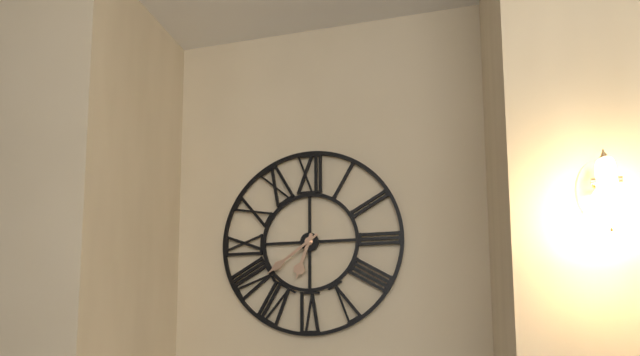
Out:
6 h 39 min
